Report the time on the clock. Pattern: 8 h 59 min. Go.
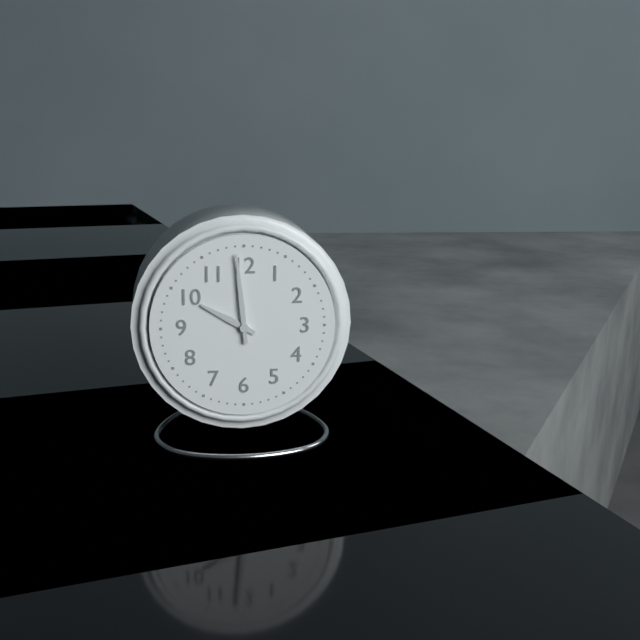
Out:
9 h 59 min
